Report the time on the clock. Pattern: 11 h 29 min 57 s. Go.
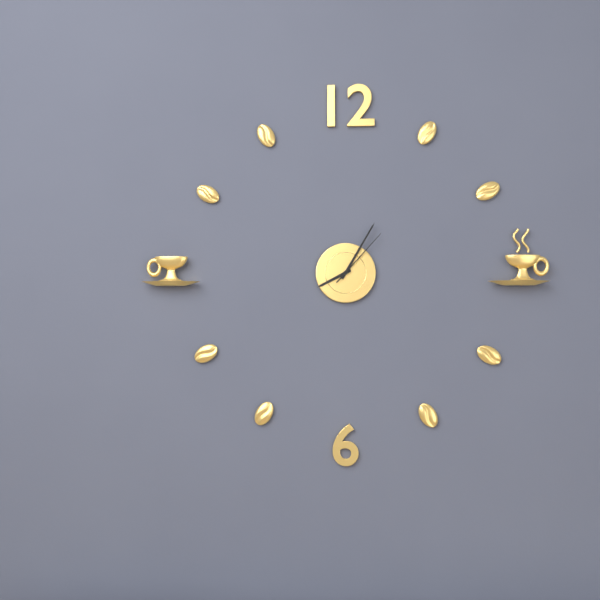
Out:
8 h 05 min 07 s
